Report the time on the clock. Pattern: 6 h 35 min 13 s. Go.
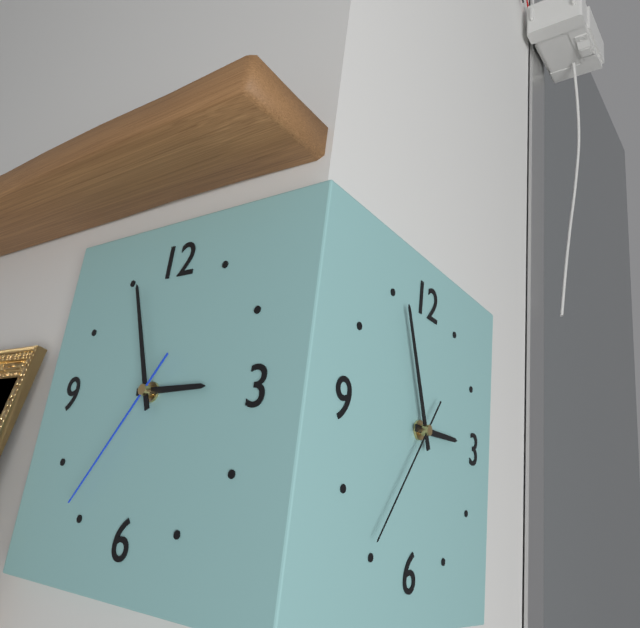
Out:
2 h 56 min 36 s
